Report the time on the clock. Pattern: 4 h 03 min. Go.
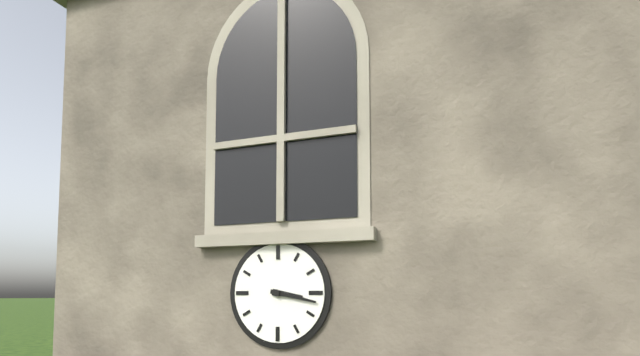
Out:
3 h 17 min
